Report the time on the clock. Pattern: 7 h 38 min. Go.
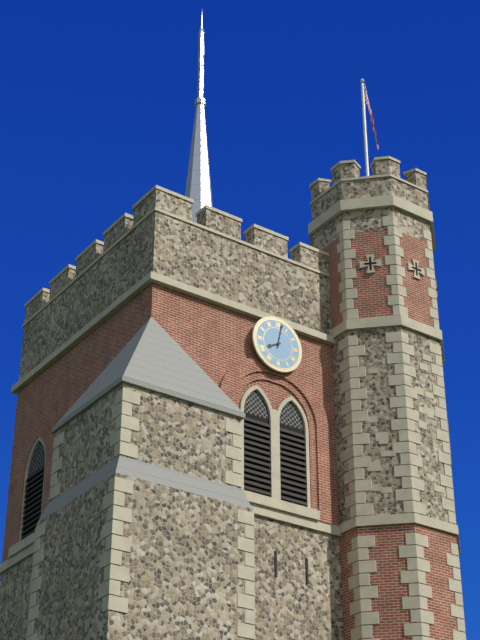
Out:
8 h 02 min
